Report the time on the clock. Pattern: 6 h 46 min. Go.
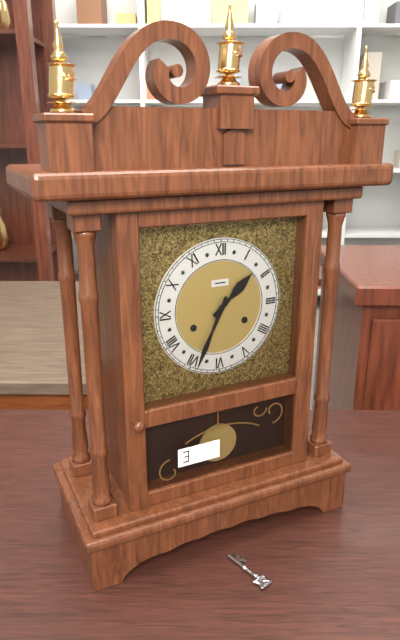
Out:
1 h 34 min
